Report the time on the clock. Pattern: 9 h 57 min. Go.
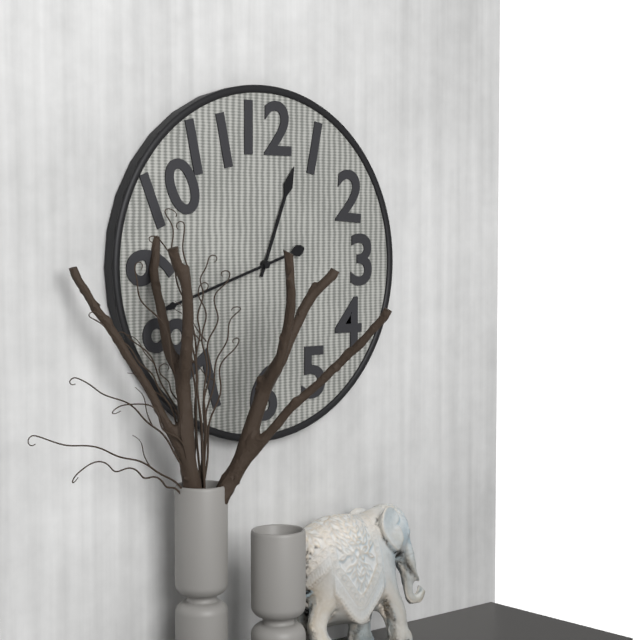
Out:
12 h 42 min
